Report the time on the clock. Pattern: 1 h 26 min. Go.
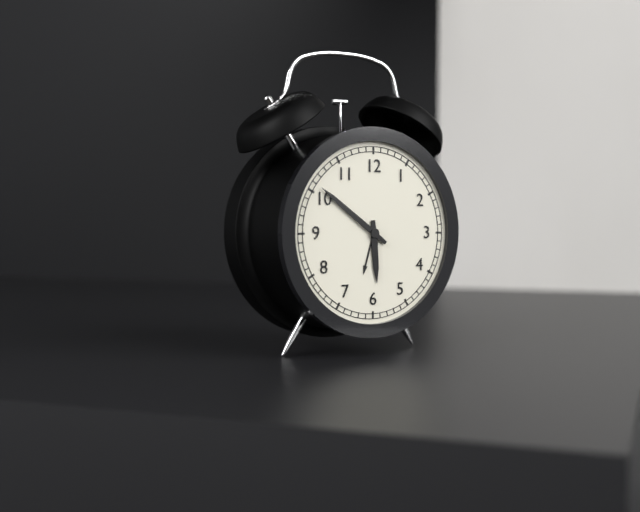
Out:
5 h 51 min
